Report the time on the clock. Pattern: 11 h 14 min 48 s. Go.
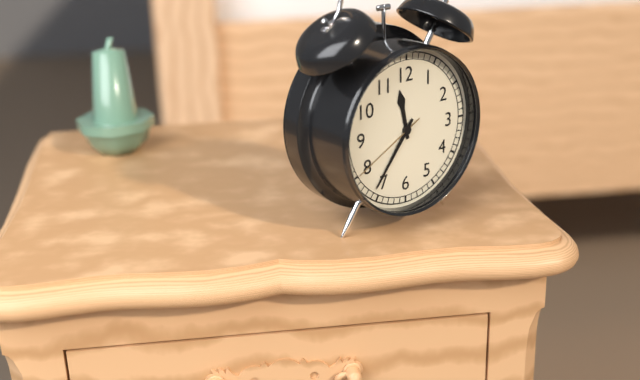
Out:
11 h 36 min 40 s
